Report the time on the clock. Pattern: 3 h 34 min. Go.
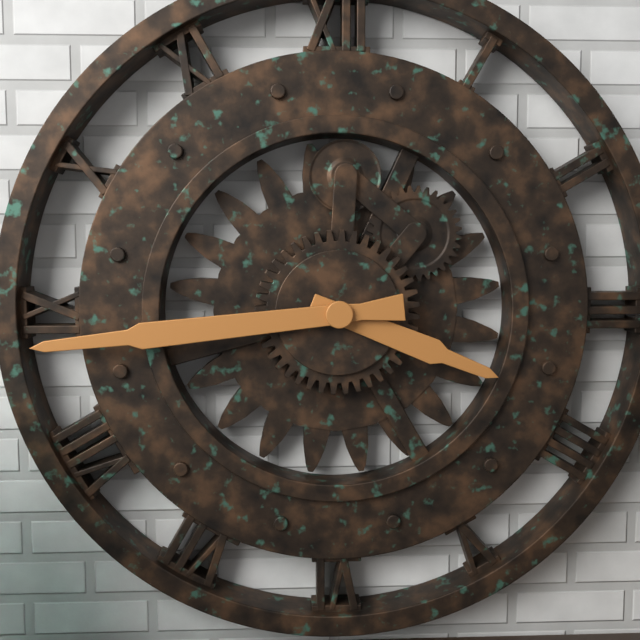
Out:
3 h 44 min
